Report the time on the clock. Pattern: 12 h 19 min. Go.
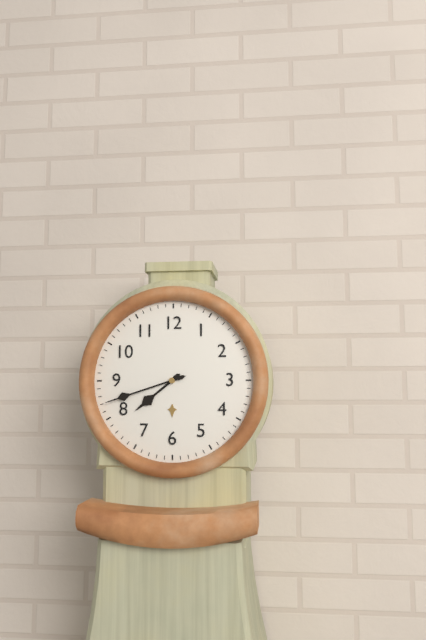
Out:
7 h 42 min
